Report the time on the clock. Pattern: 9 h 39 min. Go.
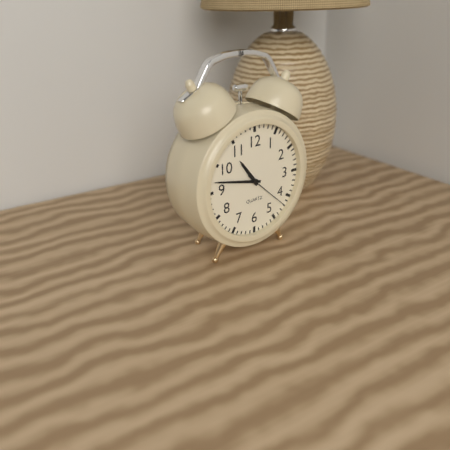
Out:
10 h 47 min
